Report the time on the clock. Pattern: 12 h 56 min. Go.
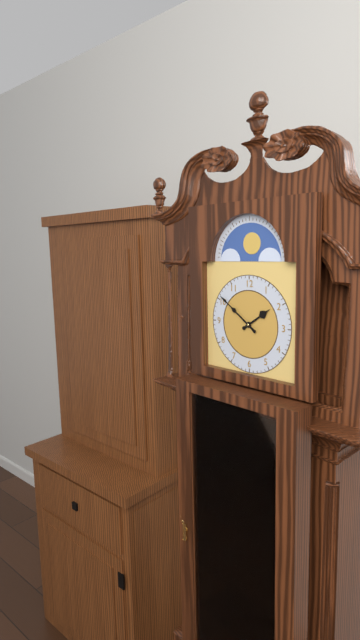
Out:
1 h 51 min
